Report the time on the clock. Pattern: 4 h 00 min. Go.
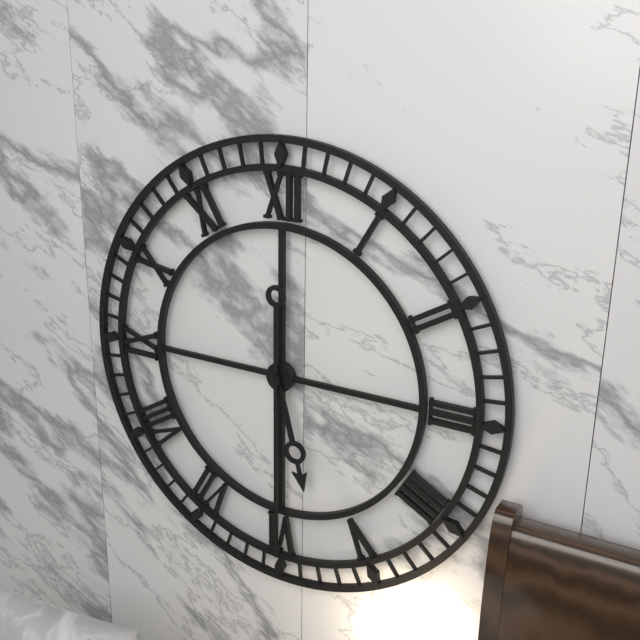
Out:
5 h 30 min
